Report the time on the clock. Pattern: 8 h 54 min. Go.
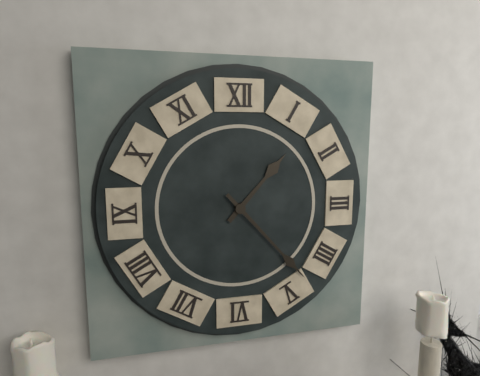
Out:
1 h 23 min
